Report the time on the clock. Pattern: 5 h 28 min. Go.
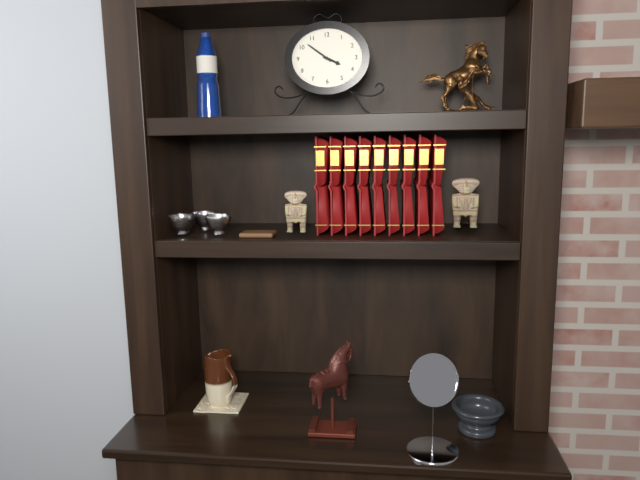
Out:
3 h 51 min
